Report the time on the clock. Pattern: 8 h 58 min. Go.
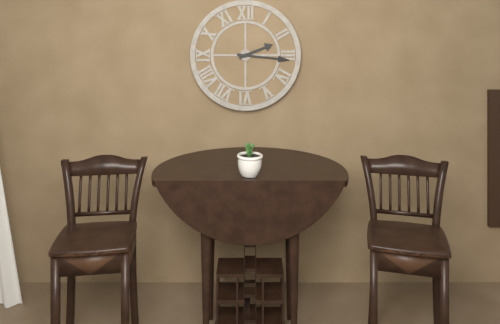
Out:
2 h 16 min
